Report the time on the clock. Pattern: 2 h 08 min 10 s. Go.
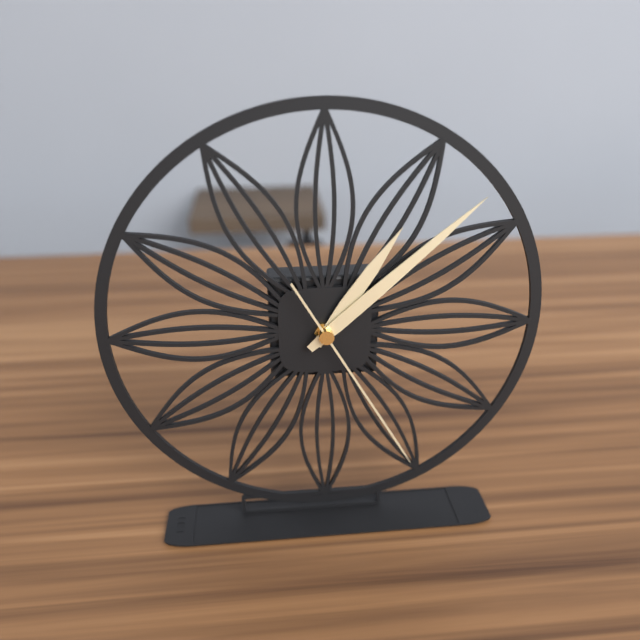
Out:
1 h 08 min 25 s
